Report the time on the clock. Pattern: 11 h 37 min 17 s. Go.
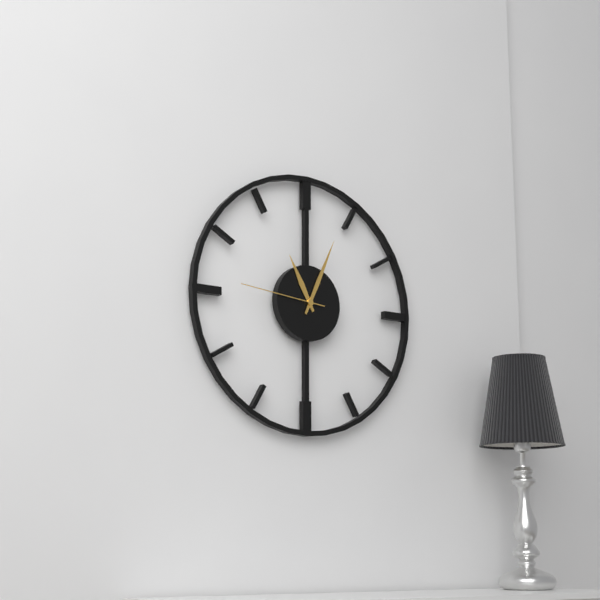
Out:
11 h 04 min 46 s
